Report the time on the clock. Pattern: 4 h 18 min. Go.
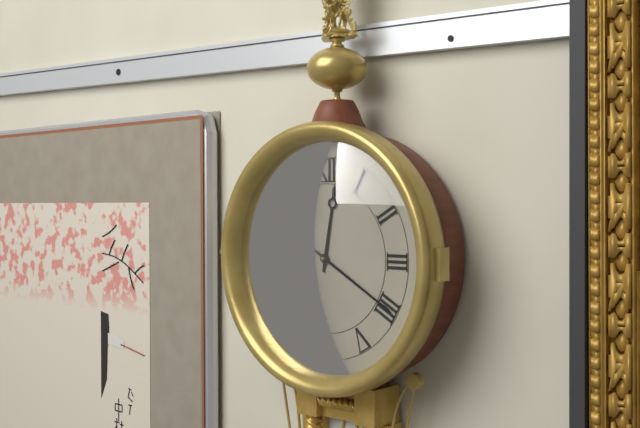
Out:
12 h 20 min
